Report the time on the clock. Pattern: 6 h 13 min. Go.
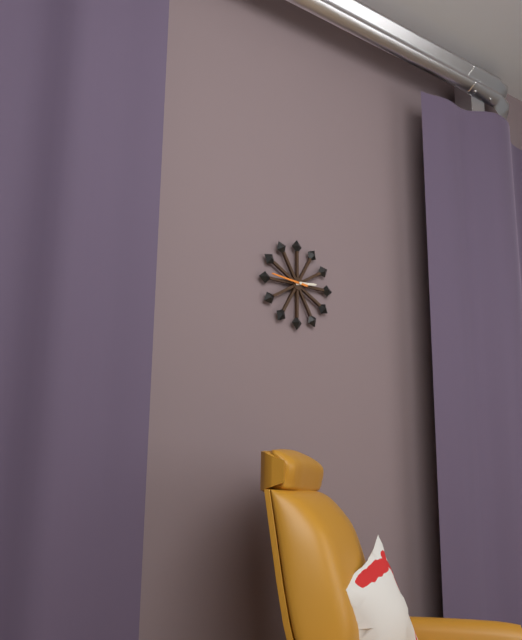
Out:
2 h 46 min
